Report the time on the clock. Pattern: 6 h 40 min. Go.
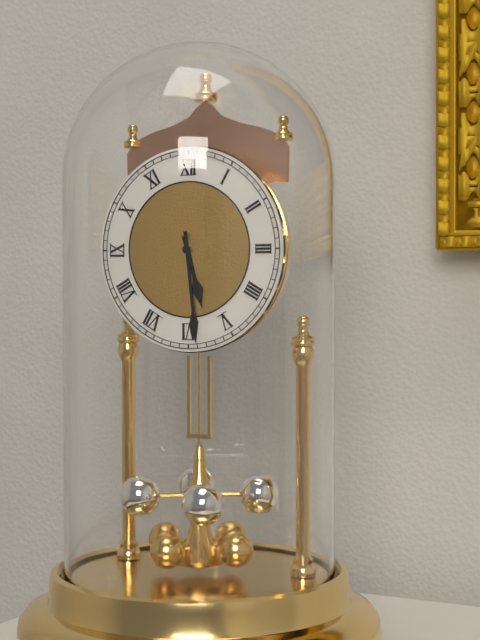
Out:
5 h 29 min
